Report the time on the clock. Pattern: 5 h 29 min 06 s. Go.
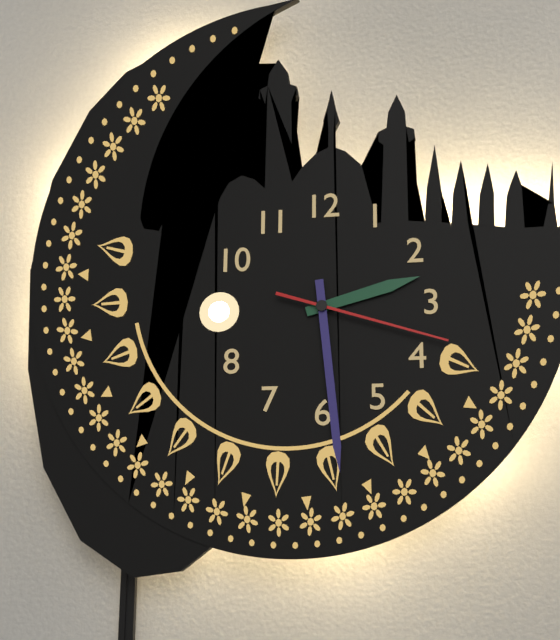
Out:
2 h 29 min 18 s
